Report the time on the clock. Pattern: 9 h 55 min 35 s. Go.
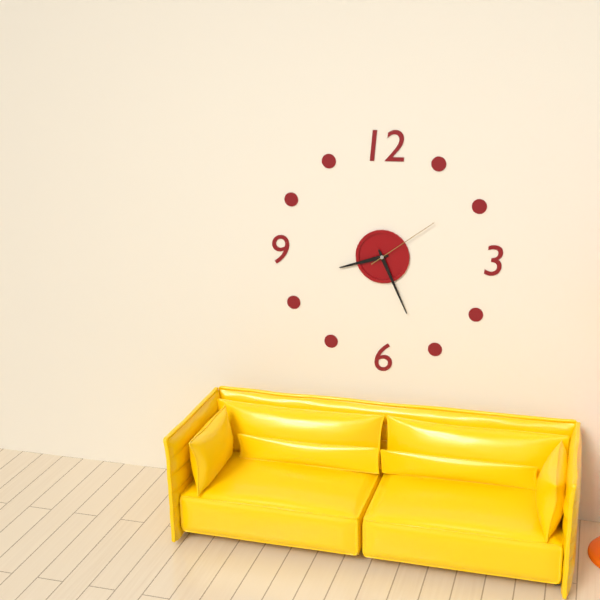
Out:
8 h 26 min 09 s
